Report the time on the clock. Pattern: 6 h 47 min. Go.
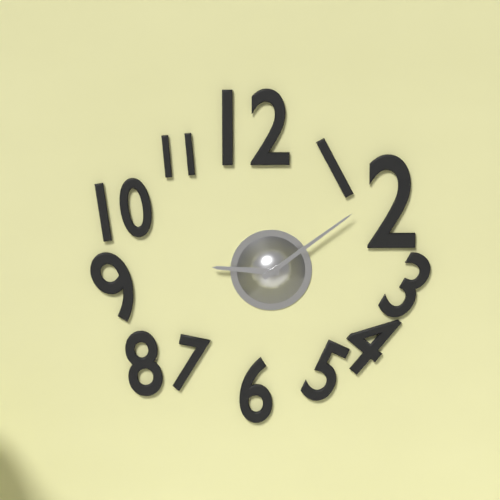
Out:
9 h 09 min
